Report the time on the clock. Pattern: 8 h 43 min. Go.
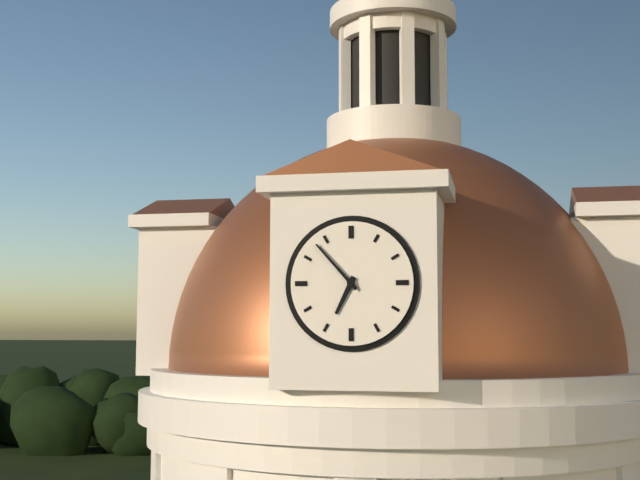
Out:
6 h 53 min
